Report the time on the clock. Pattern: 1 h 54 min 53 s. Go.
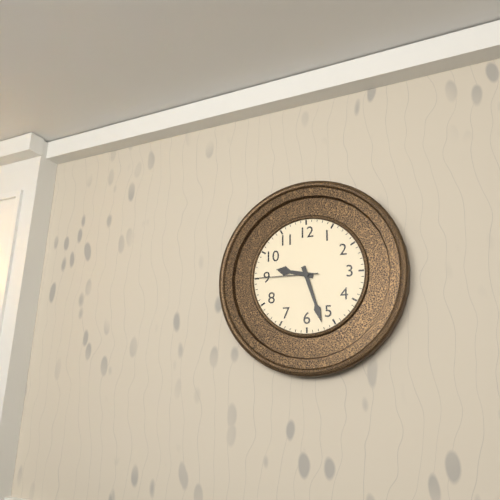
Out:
9 h 27 min 45 s
